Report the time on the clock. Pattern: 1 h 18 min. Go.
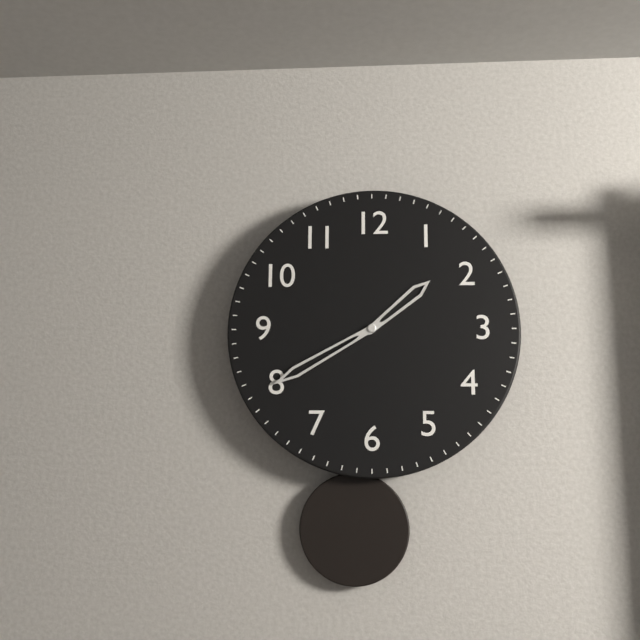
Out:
1 h 40 min
